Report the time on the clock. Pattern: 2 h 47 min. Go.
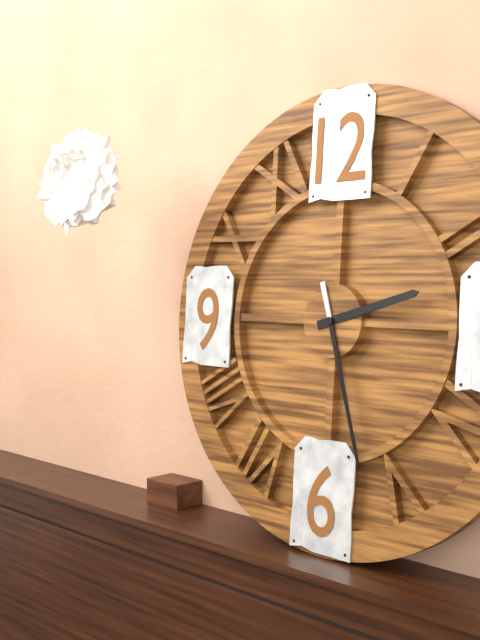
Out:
2 h 27 min
